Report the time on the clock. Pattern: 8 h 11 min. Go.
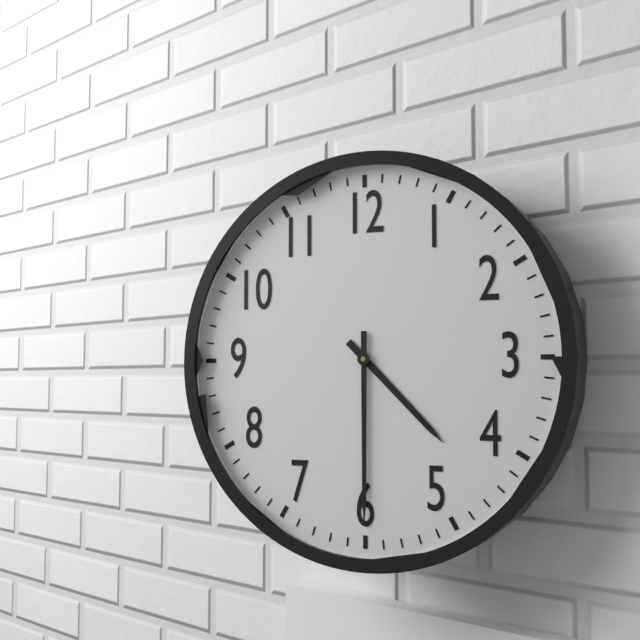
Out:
4 h 30 min
